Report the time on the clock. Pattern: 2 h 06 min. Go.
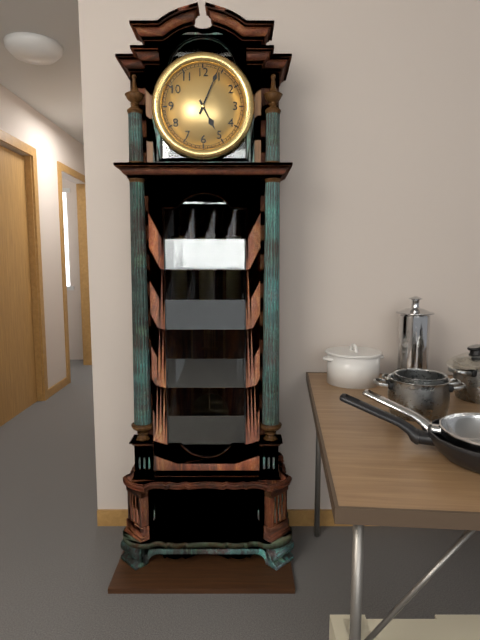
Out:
5 h 04 min
